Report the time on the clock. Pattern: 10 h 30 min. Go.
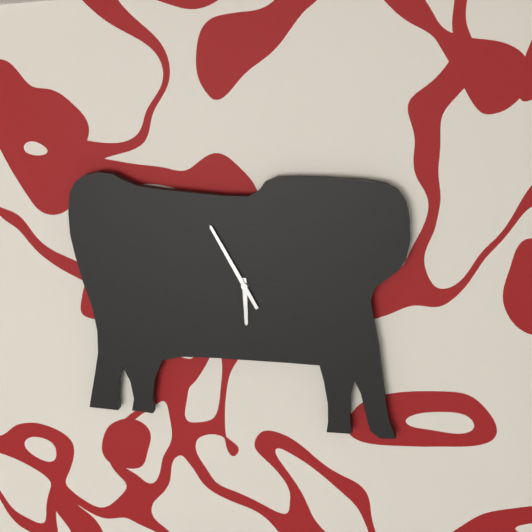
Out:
5 h 55 min
